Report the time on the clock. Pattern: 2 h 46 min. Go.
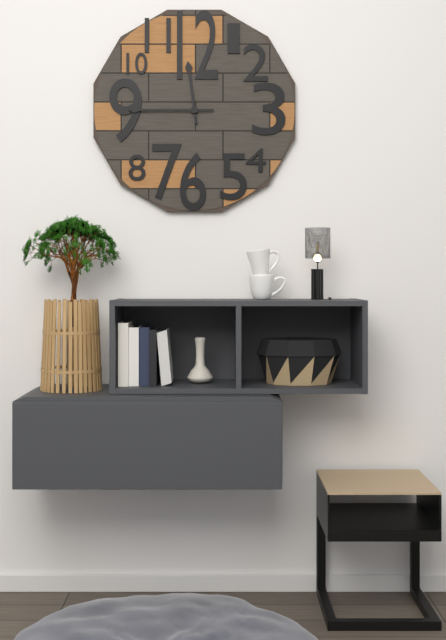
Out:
11 h 45 min
